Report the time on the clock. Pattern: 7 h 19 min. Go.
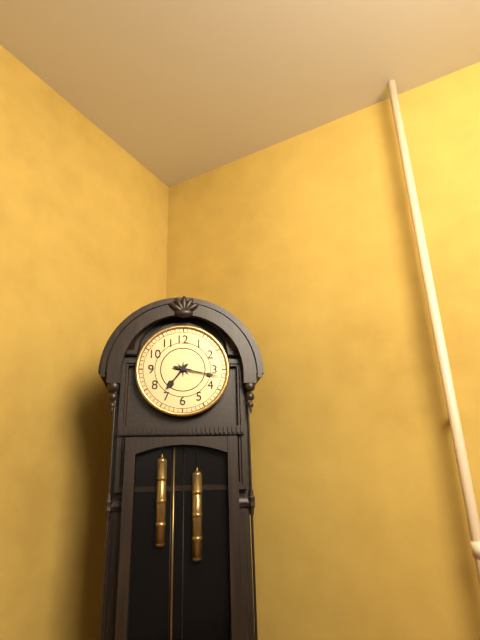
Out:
7 h 17 min
